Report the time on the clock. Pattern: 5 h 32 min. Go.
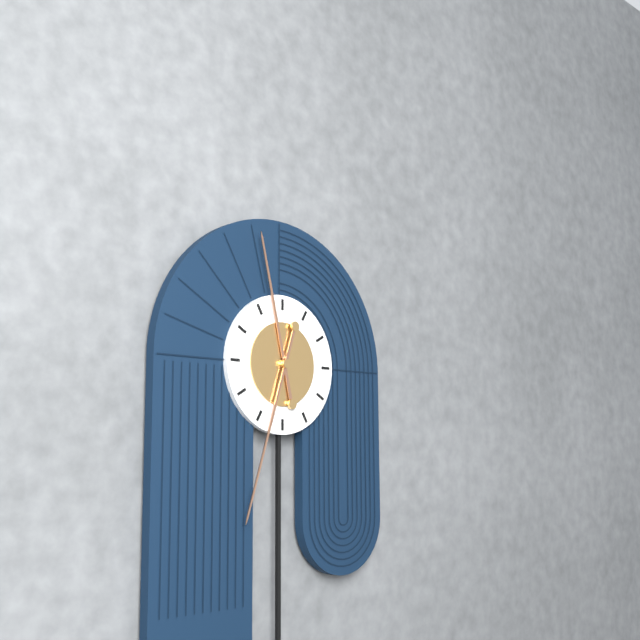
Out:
11 h 33 min
